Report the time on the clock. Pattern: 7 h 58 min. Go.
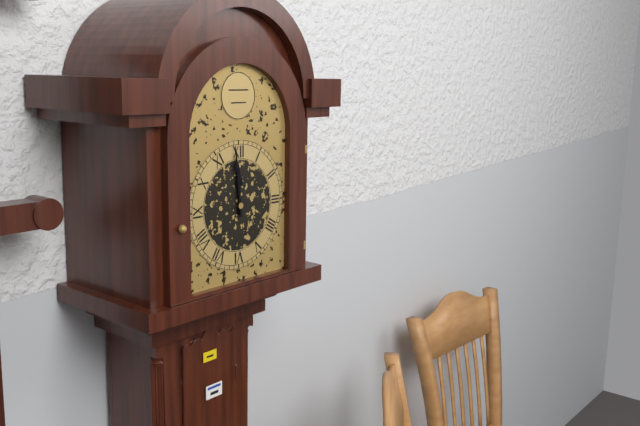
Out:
11 h 59 min
